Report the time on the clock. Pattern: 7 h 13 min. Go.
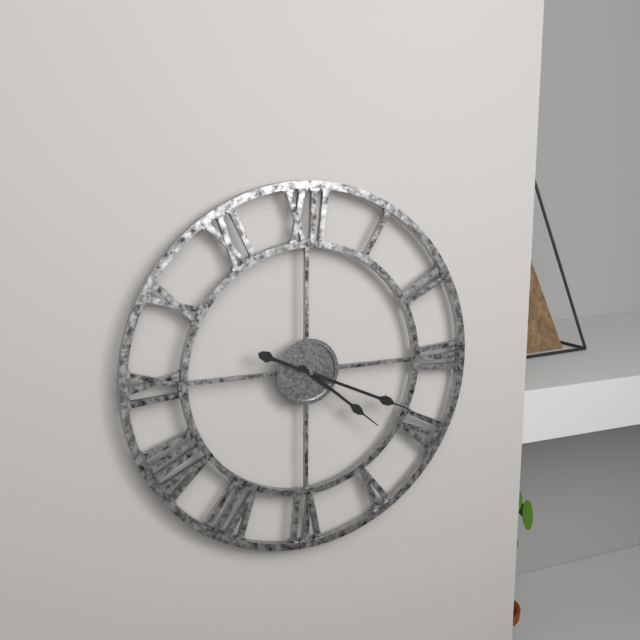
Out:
4 h 19 min
